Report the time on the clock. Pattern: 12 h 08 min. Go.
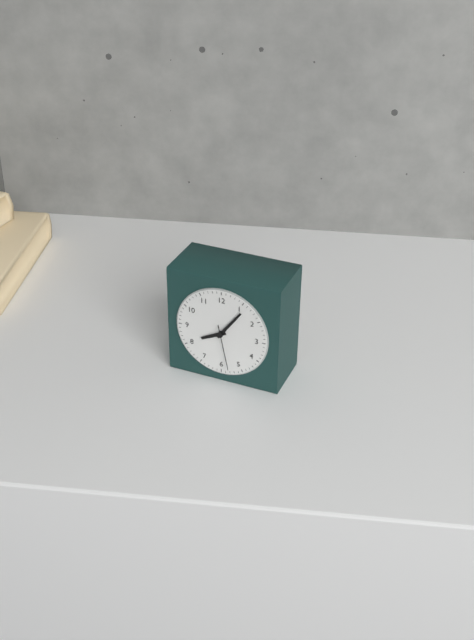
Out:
8 h 06 min
